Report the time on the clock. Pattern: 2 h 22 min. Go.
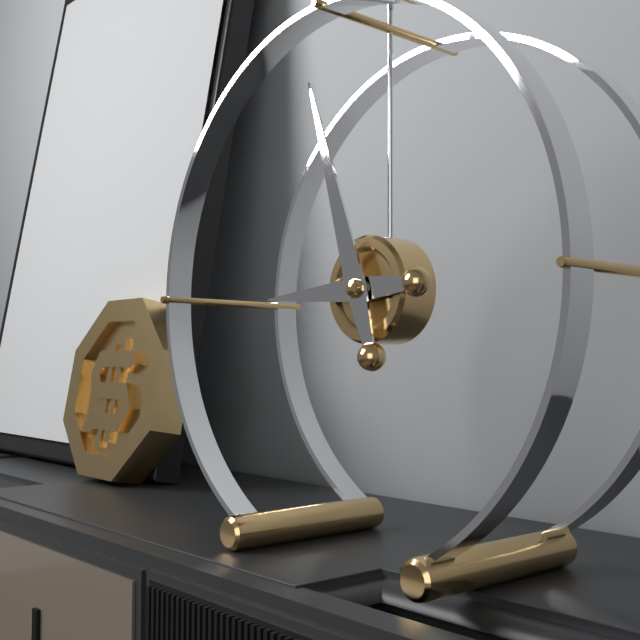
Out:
8 h 57 min
